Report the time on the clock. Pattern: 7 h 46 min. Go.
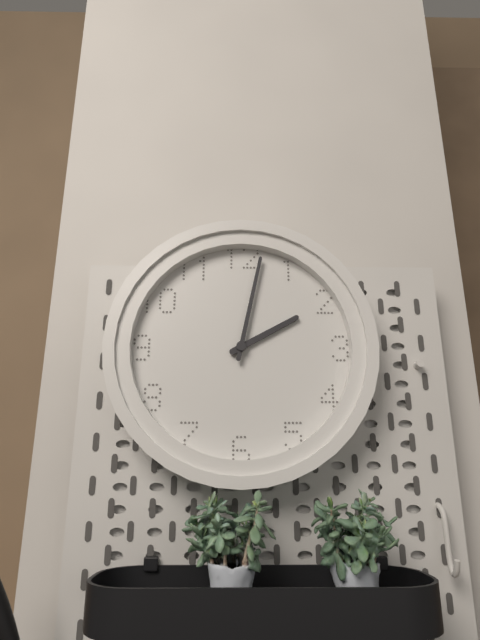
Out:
2 h 02 min
